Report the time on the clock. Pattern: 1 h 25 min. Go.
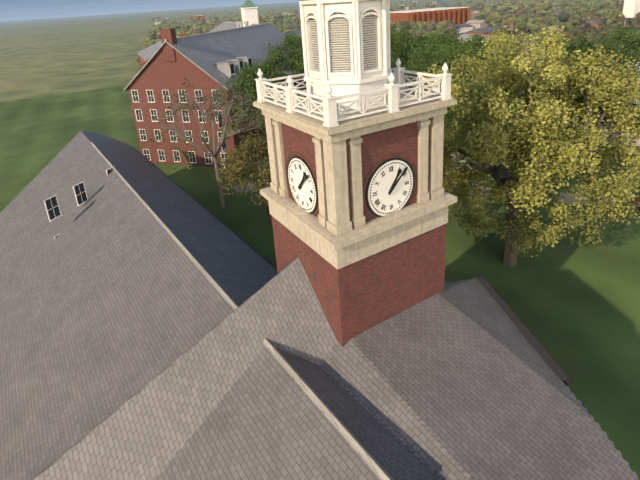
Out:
1 h 08 min
